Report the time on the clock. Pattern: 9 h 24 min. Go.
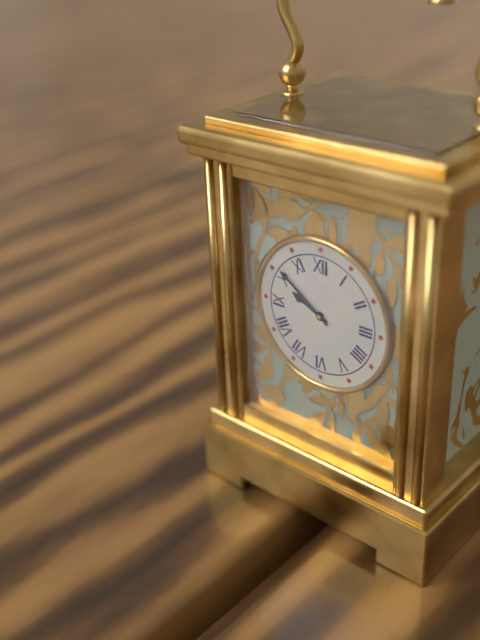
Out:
9 h 51 min
